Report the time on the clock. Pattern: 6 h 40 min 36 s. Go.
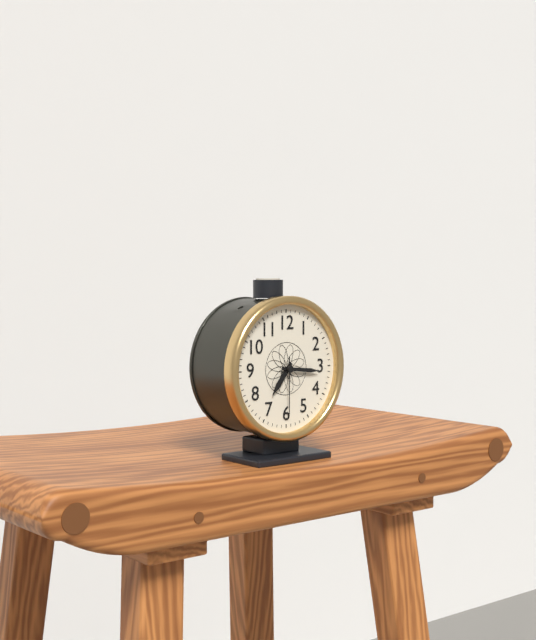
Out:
7 h 16 min 30 s
